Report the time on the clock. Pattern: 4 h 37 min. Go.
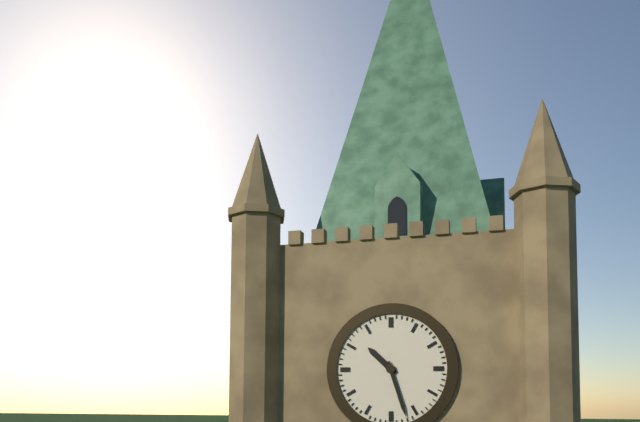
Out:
10 h 27 min
